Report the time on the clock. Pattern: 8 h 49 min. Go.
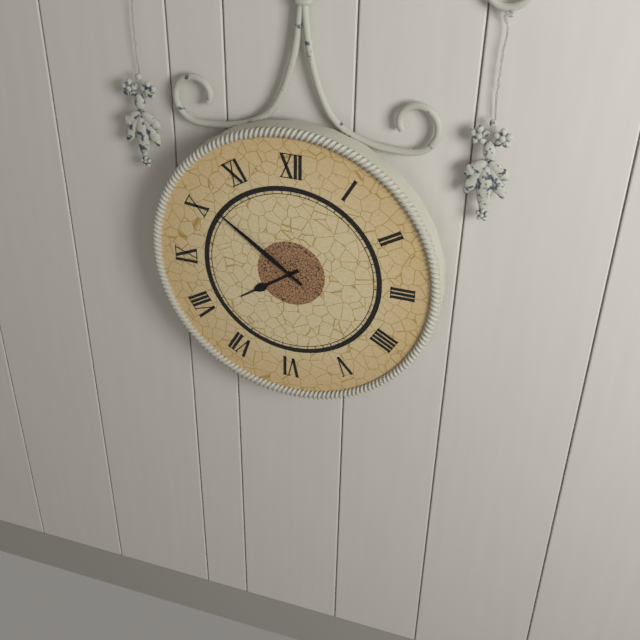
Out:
7 h 51 min
